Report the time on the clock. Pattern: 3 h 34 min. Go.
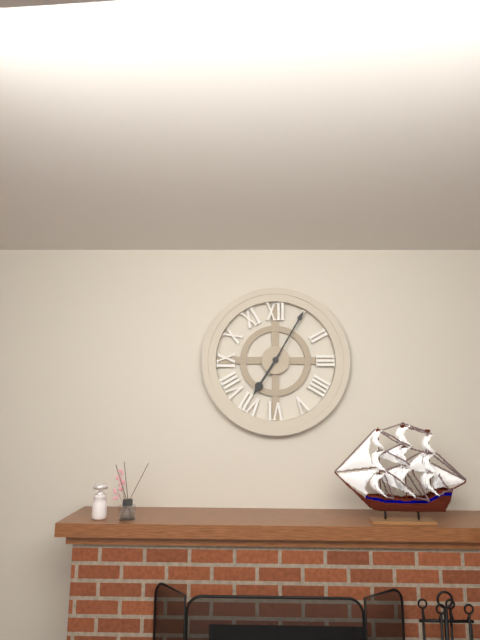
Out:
7 h 05 min
